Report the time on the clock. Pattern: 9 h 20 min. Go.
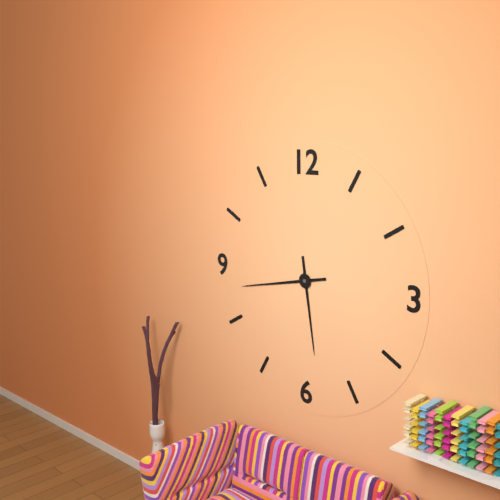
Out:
5 h 43 min
